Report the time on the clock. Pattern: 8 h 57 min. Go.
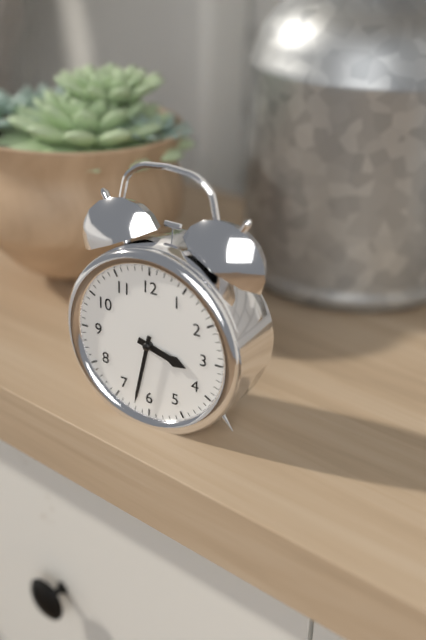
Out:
3 h 32 min
